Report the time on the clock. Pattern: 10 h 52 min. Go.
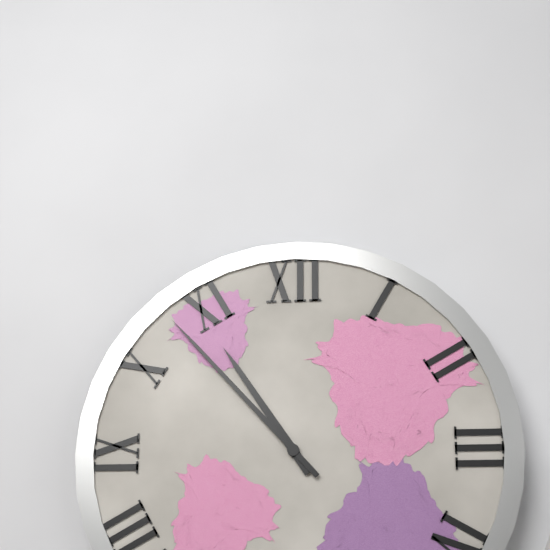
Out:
10 h 53 min
